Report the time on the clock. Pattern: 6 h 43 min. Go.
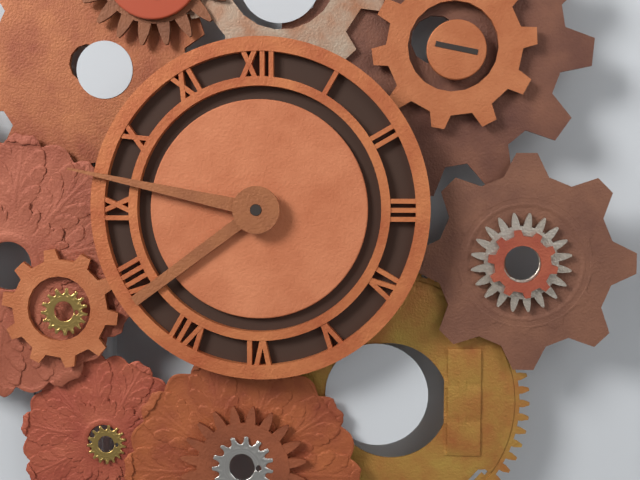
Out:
7 h 47 min
